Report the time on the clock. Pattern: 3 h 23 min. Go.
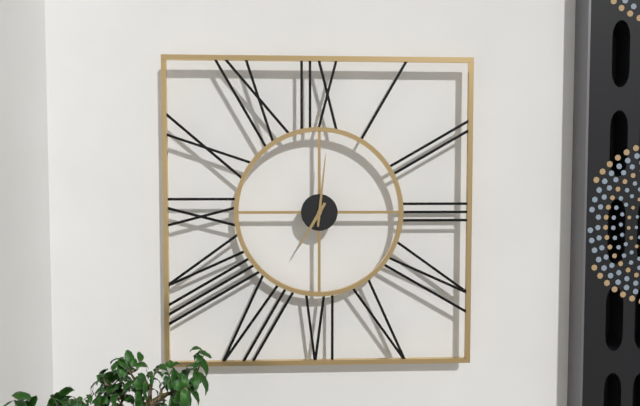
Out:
7 h 01 min
